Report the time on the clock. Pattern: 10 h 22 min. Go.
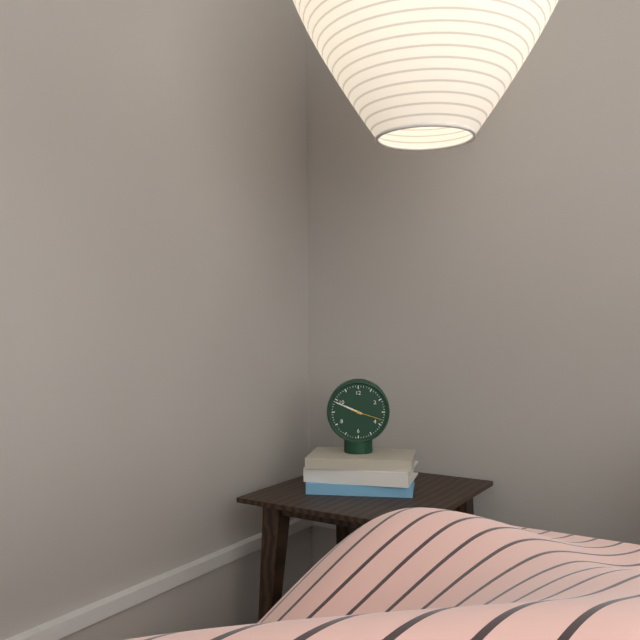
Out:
9 h 49 min
